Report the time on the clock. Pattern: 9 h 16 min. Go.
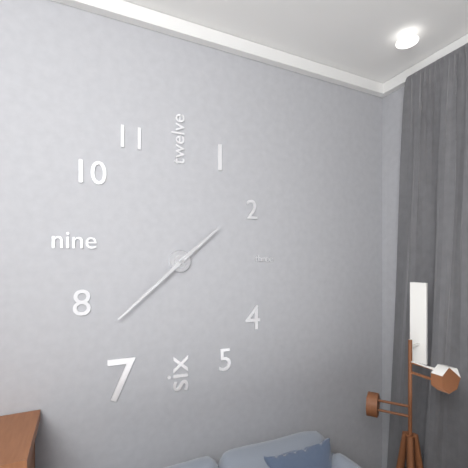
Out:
1 h 38 min
